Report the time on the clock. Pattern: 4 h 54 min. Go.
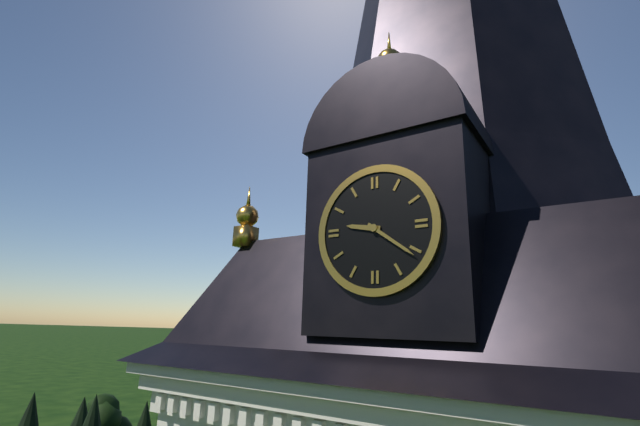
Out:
9 h 21 min
